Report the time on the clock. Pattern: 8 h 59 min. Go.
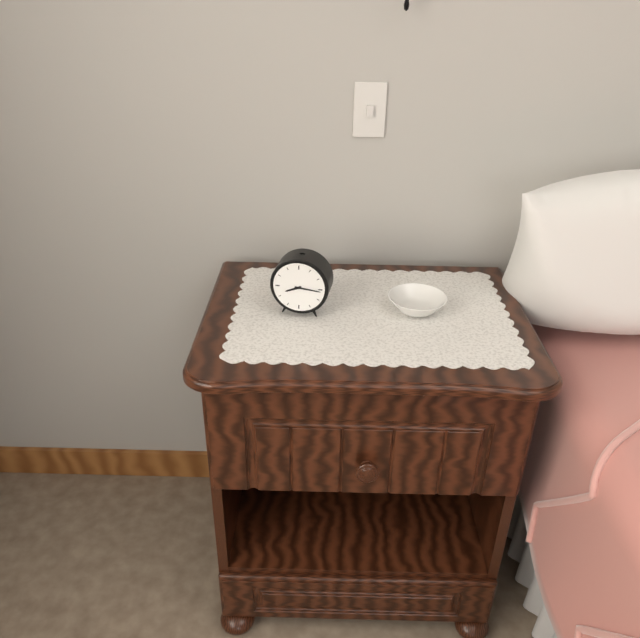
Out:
8 h 16 min
